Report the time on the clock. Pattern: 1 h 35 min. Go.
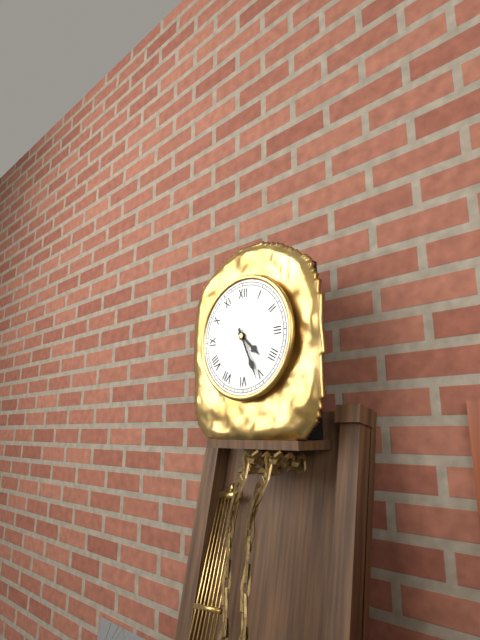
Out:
4 h 26 min
